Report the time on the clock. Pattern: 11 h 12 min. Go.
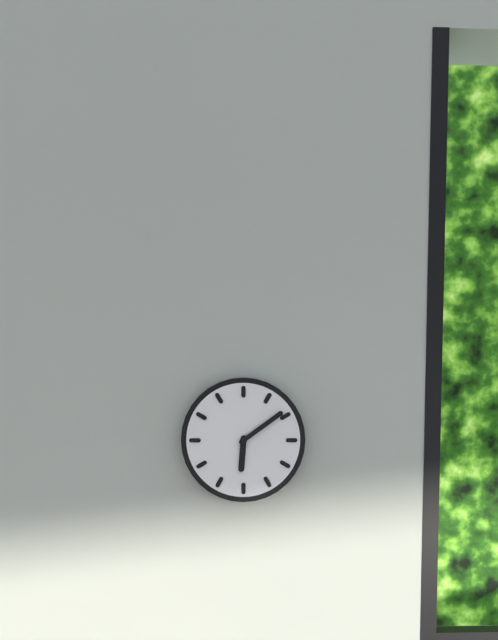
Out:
6 h 09 min
